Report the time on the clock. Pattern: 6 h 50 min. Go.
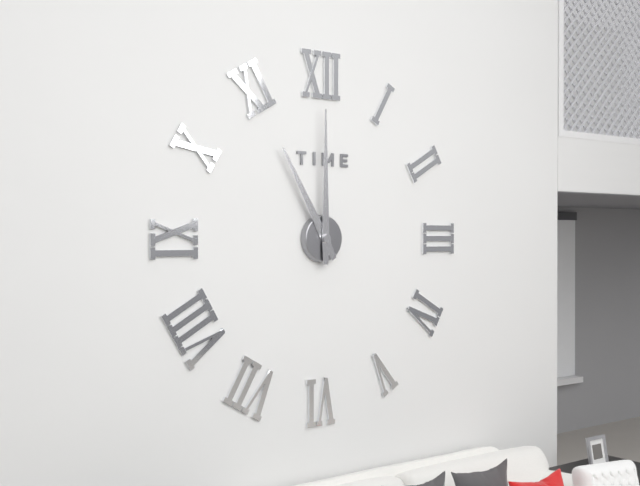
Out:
11 h 00 min
